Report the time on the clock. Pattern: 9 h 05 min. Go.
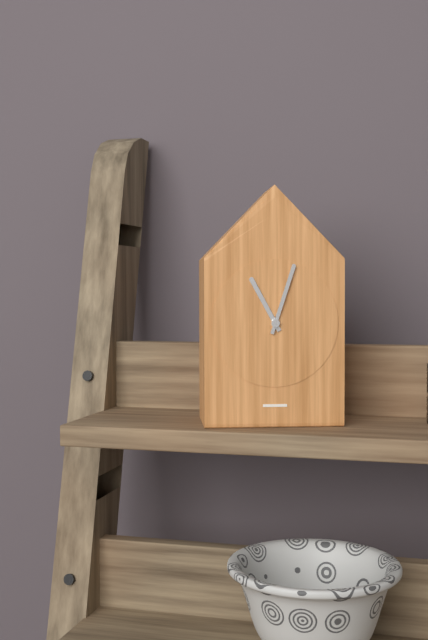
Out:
11 h 03 min
